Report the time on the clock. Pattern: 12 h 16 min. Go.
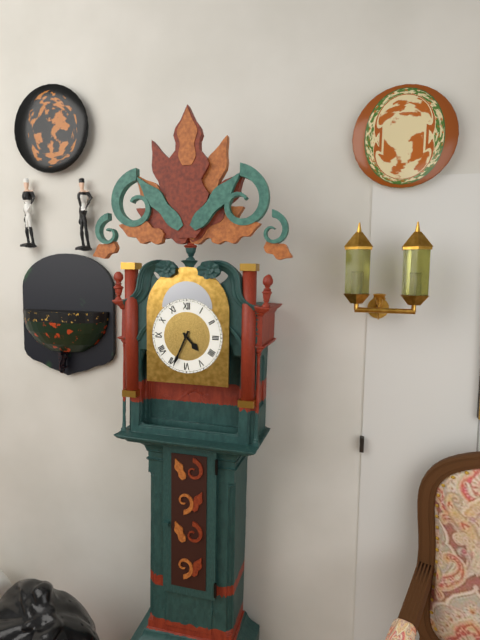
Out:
4 h 34 min
